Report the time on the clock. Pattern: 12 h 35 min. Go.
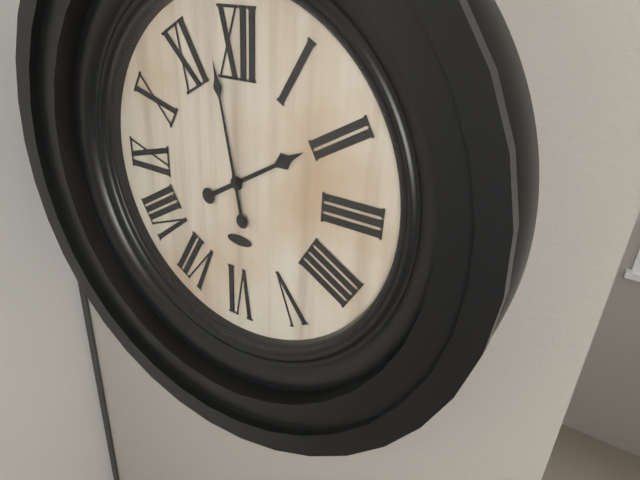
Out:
1 h 58 min
